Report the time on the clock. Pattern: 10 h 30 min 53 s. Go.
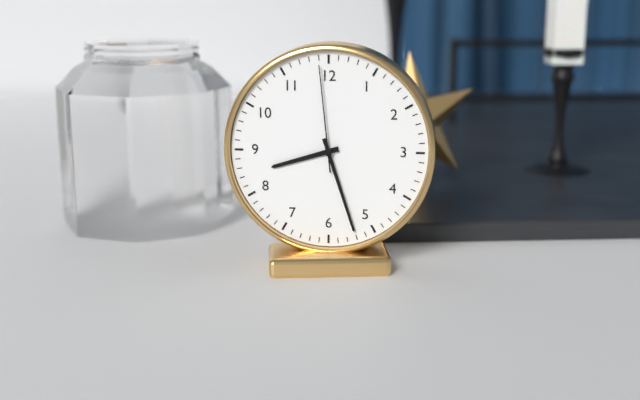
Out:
8 h 27 min 59 s
